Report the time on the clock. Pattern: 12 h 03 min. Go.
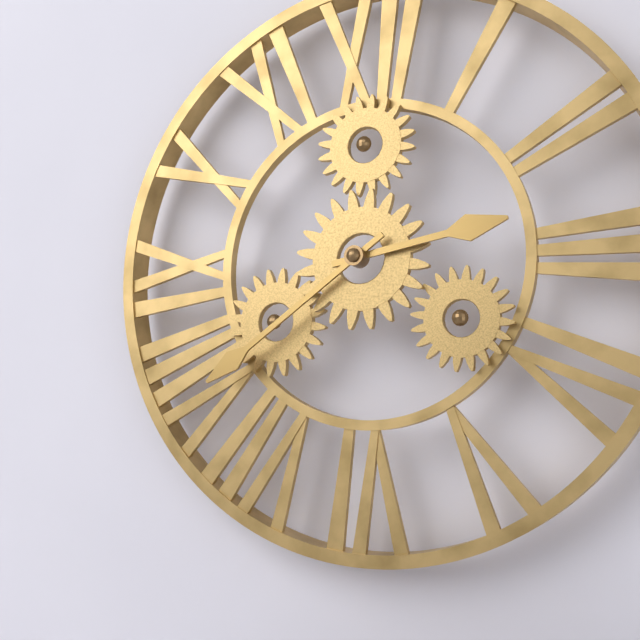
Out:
2 h 39 min
